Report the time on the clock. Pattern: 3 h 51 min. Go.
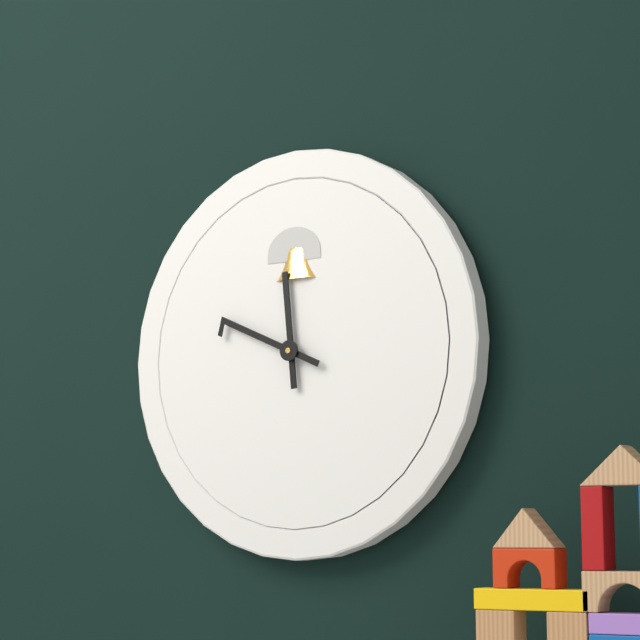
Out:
11 h 49 min
